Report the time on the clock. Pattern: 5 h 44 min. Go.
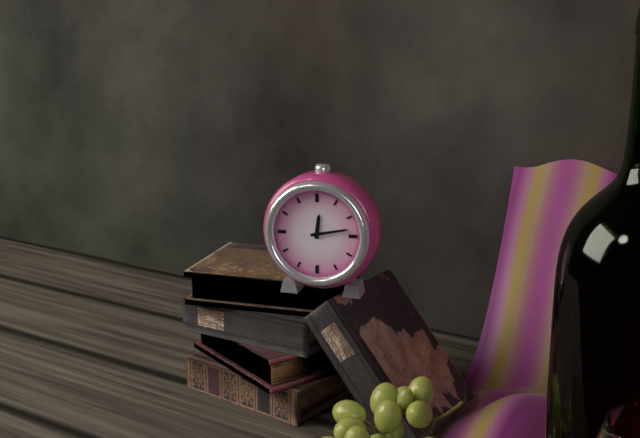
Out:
12 h 13 min
